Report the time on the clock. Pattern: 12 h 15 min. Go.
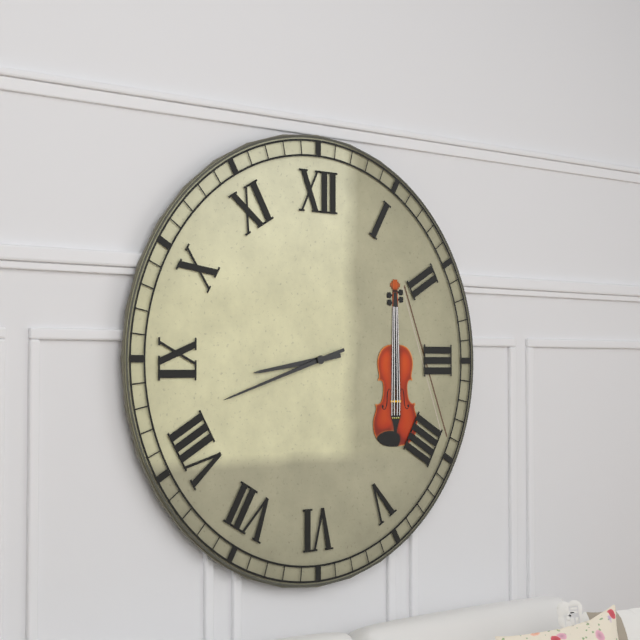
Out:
8 h 42 min
